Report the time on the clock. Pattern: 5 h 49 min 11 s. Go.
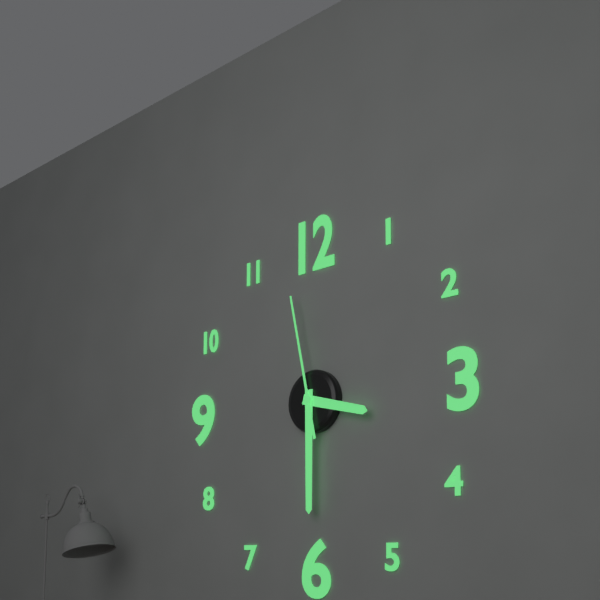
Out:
3 h 30 min 58 s
